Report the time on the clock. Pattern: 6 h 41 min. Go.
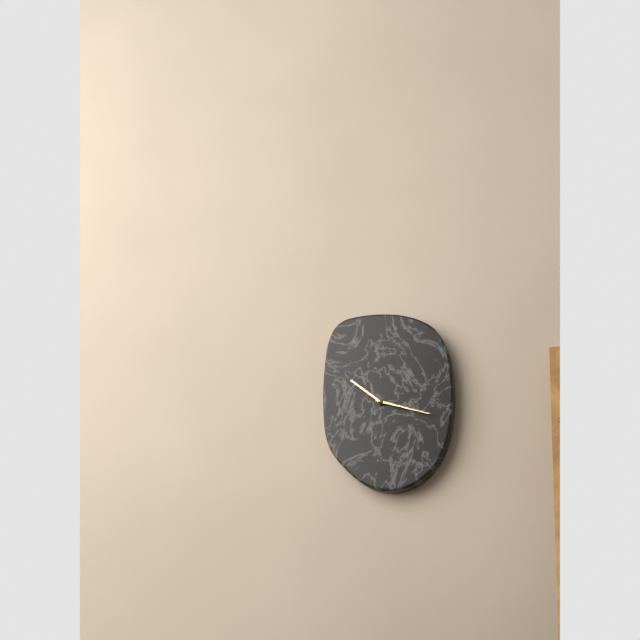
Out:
10 h 18 min
